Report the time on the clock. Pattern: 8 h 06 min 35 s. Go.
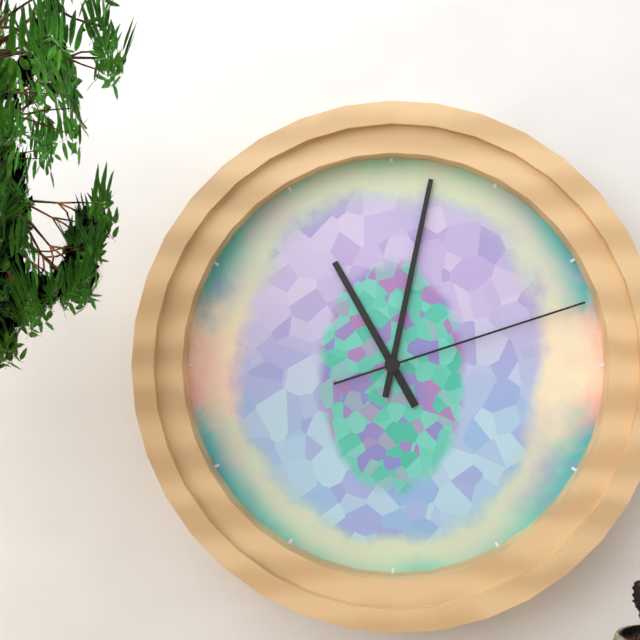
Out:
11 h 02 min 12 s
